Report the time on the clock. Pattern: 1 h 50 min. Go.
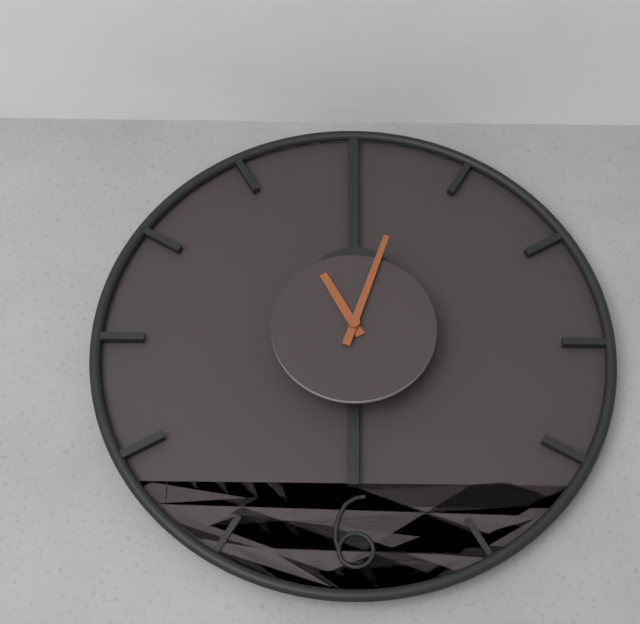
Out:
11 h 03 min
